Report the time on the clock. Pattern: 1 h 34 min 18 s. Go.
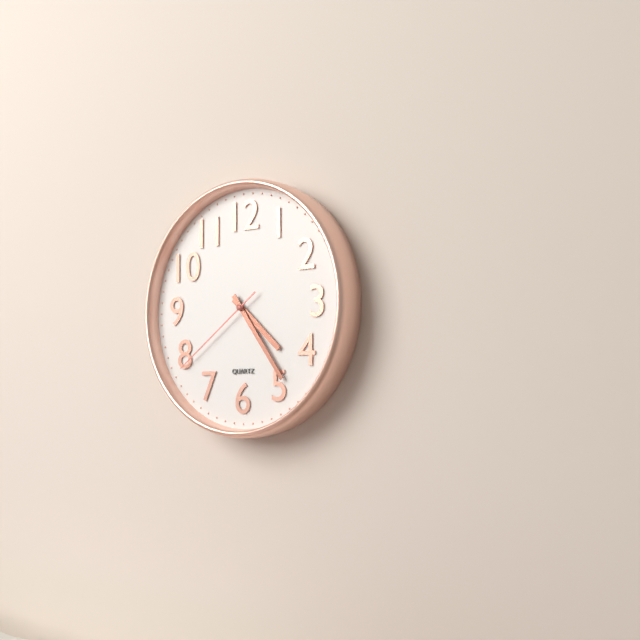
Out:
4 h 24 min 39 s
